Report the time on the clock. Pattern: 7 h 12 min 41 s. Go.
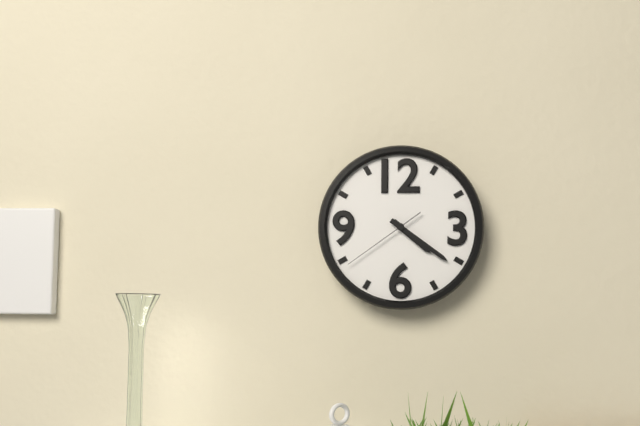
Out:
4 h 21 min 39 s
